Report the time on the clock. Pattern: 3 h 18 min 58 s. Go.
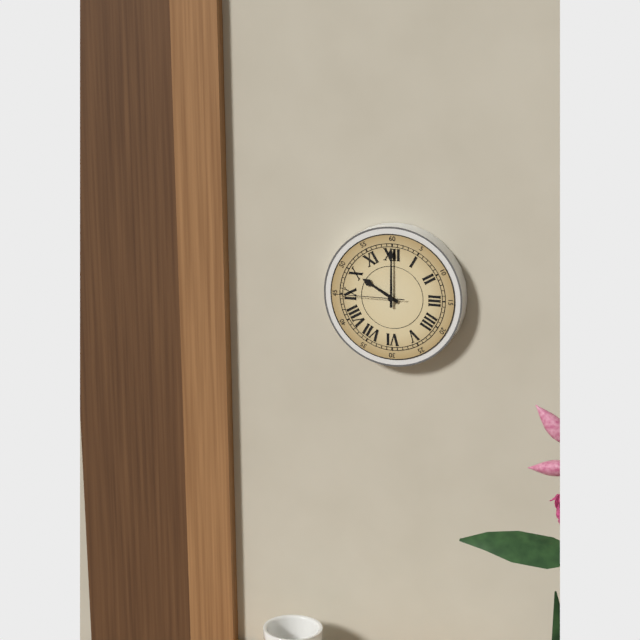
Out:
10 h 00 min 45 s
